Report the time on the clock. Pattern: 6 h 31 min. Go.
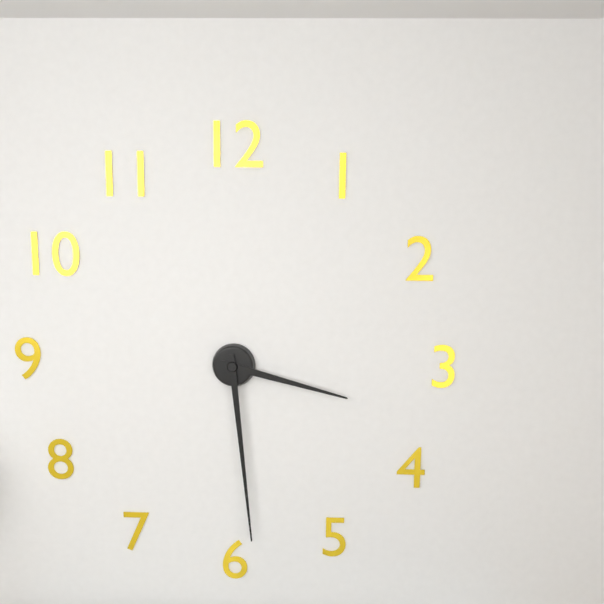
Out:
3 h 29 min
